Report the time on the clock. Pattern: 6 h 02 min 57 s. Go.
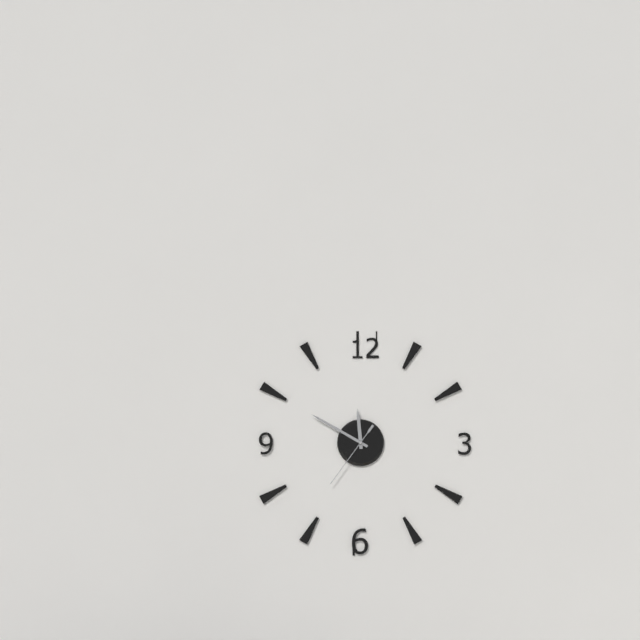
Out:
11 h 50 min 36 s
